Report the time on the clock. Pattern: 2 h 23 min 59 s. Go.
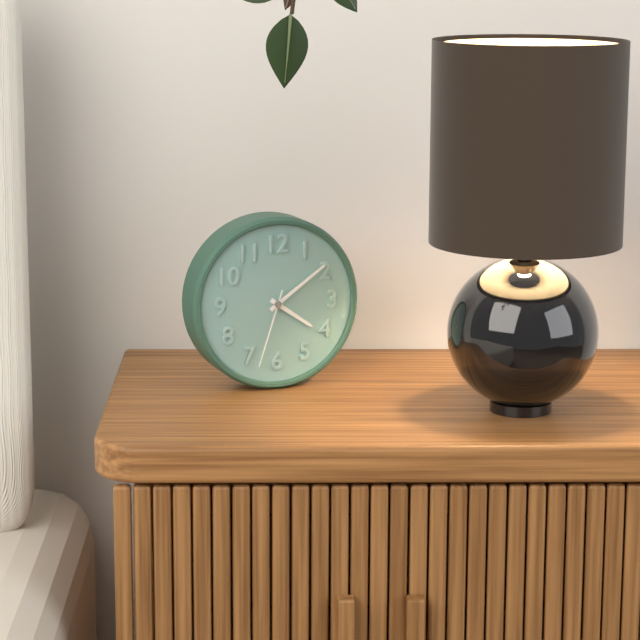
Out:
4 h 09 min 33 s
